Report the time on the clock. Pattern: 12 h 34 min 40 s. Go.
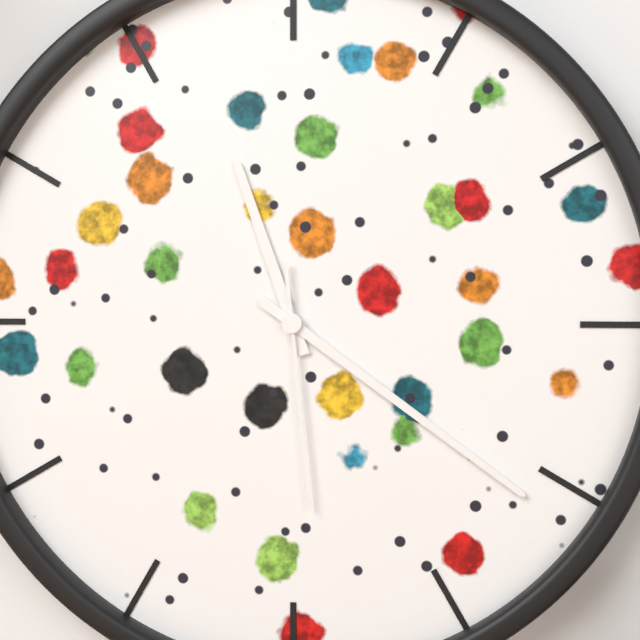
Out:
11 h 21 min 29 s
